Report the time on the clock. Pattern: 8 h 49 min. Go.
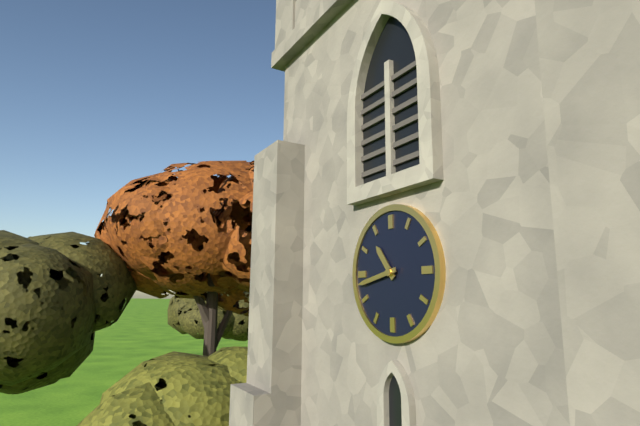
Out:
10 h 43 min
